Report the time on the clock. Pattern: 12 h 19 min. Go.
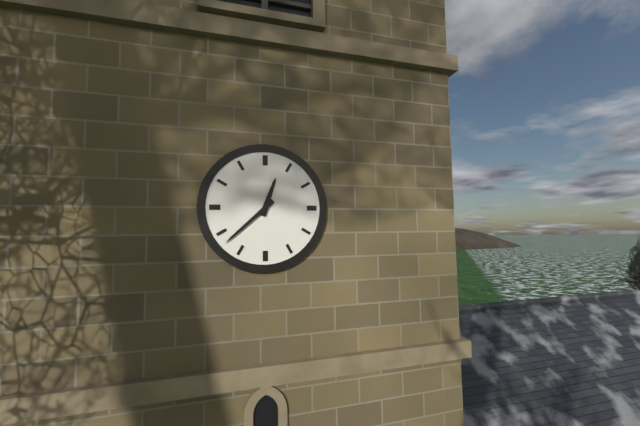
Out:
12 h 38 min
